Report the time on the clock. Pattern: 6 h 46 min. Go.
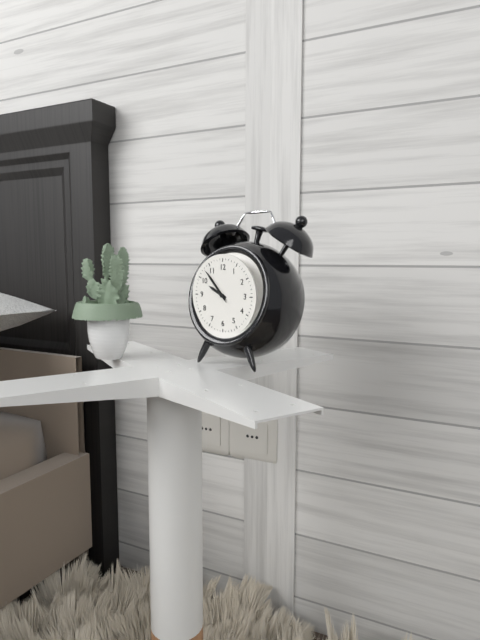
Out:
9 h 53 min
